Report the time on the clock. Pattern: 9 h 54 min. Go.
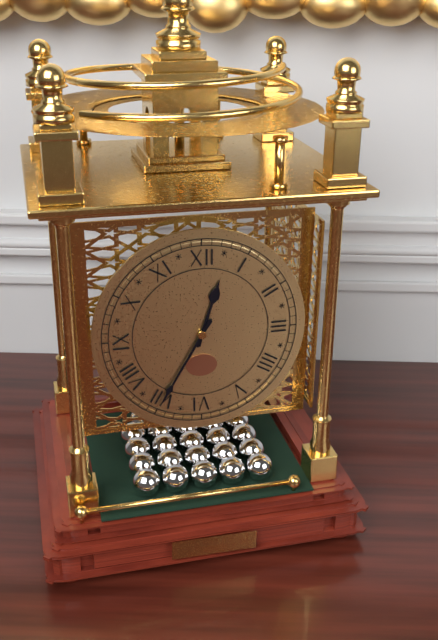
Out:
12 h 35 min
